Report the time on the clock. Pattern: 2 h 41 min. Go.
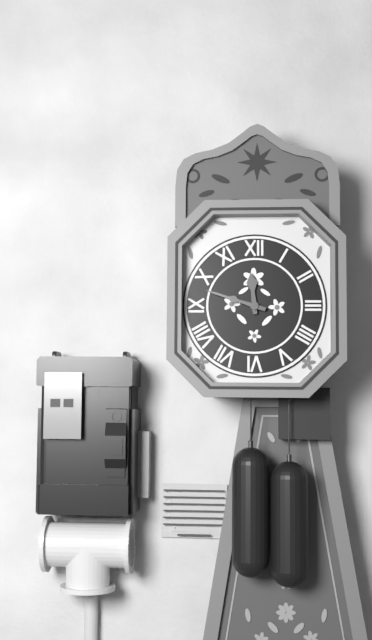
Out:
11 h 48 min
